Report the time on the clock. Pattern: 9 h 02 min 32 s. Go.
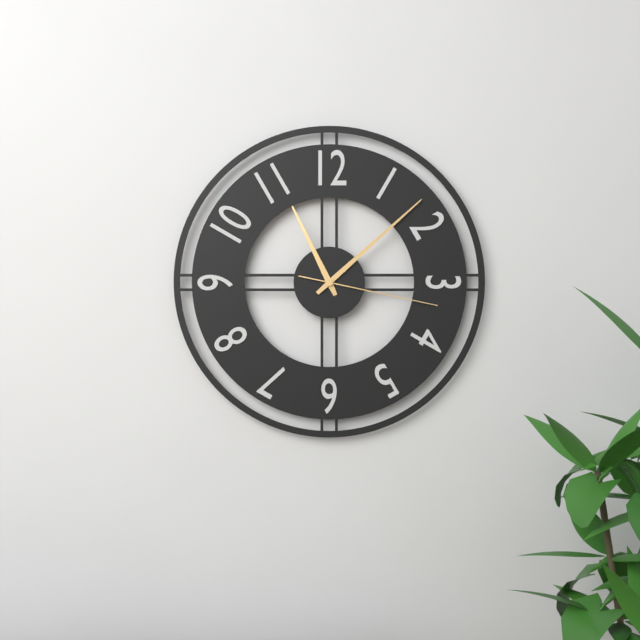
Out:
11 h 08 min 17 s
